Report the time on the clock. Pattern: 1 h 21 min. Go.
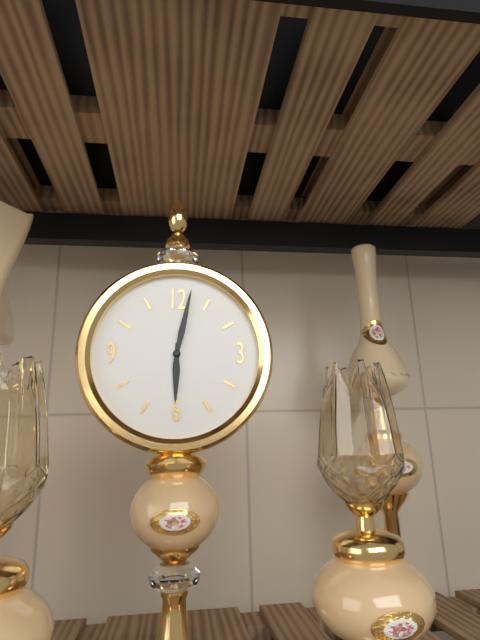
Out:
6 h 02 min
